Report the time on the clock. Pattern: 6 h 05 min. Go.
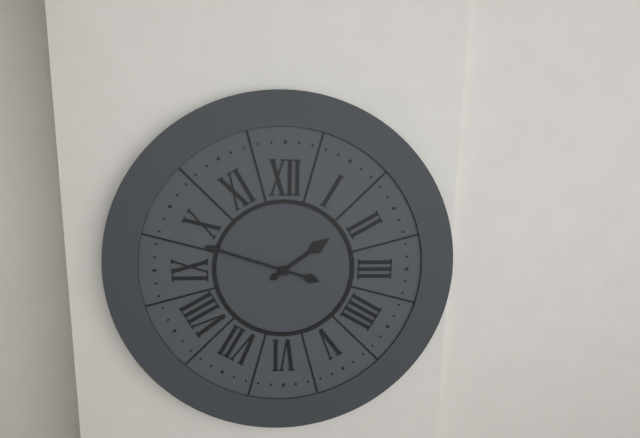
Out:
1 h 48 min
